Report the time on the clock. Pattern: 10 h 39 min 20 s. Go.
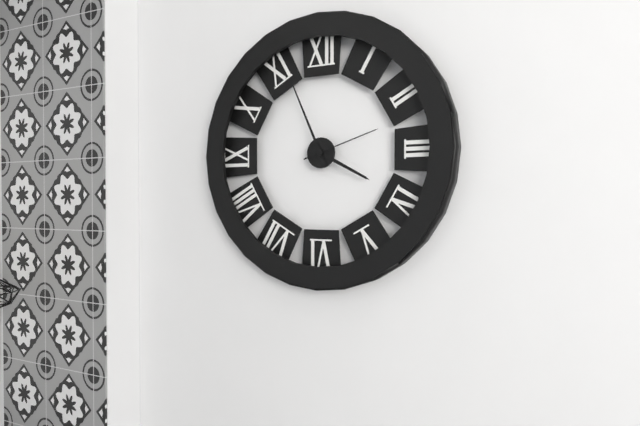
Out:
3 h 56 min 12 s
